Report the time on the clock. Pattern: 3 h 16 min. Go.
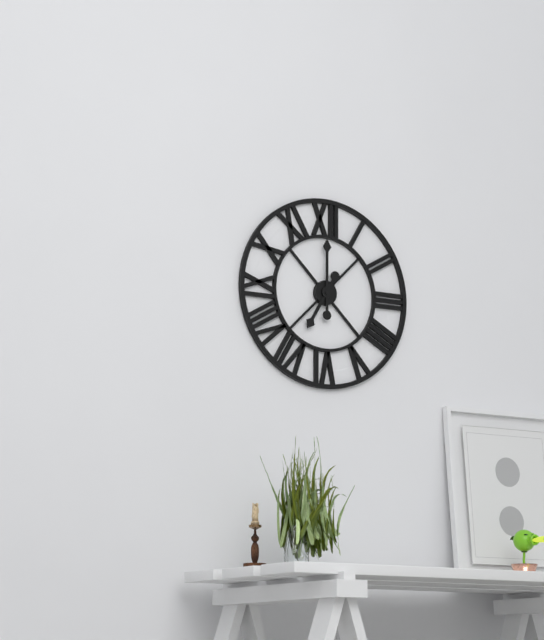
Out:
7 h 00 min
